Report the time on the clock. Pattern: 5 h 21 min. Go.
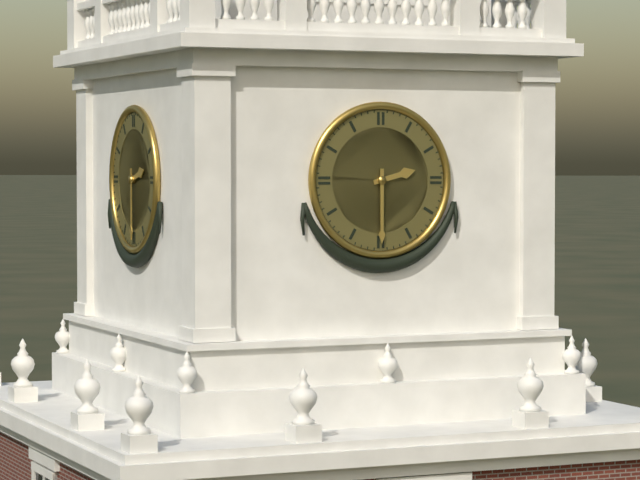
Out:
2 h 30 min
